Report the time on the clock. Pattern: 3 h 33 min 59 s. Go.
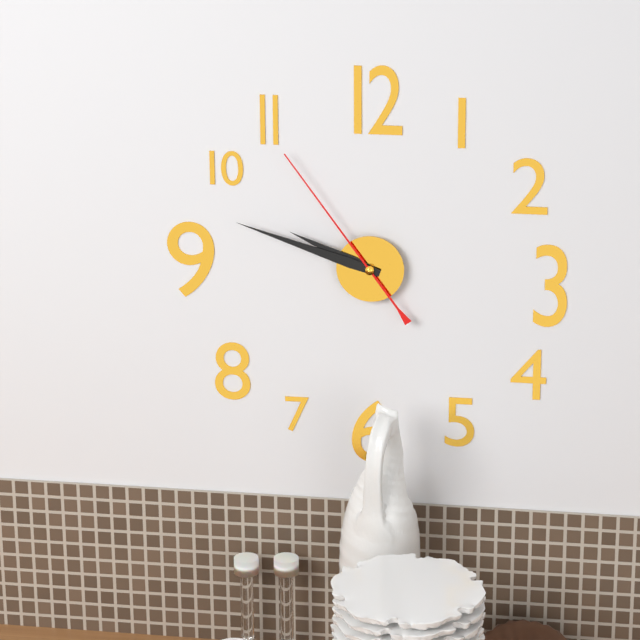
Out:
9 h 48 min 54 s
